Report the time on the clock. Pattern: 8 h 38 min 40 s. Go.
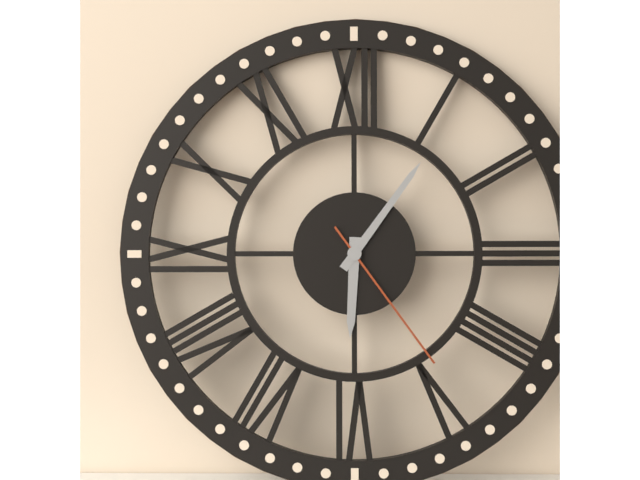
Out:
6 h 06 min 24 s
